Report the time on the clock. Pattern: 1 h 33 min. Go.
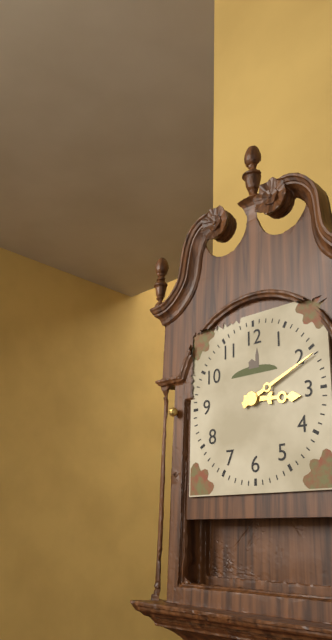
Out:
3 h 11 min
